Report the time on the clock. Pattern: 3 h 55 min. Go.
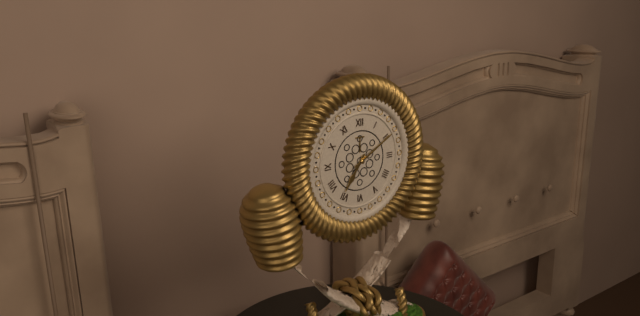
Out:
7 h 10 min
